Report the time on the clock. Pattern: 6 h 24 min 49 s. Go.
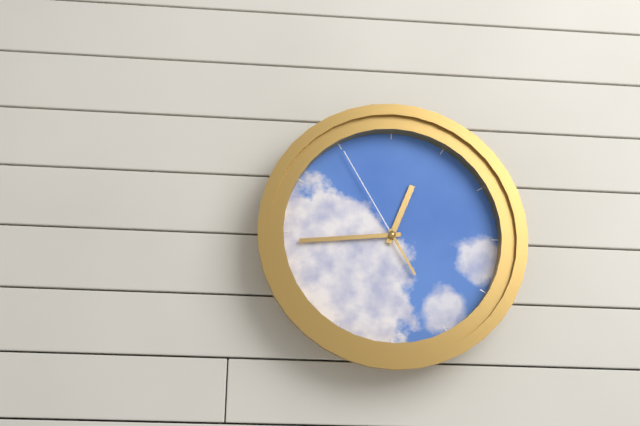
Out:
12 h 44 min 55 s
